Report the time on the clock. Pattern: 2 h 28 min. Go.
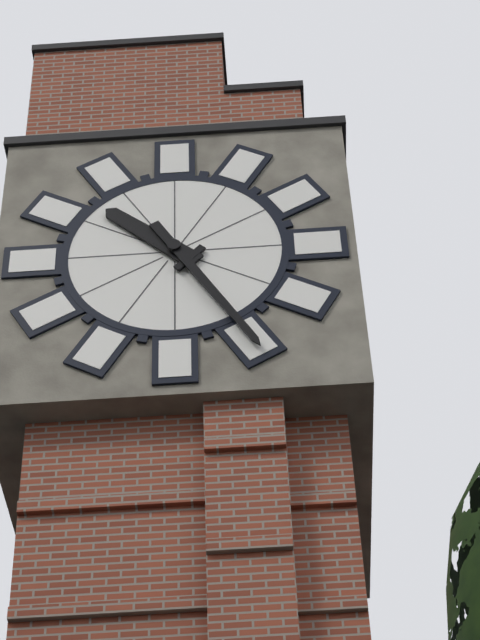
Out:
10 h 25 min
